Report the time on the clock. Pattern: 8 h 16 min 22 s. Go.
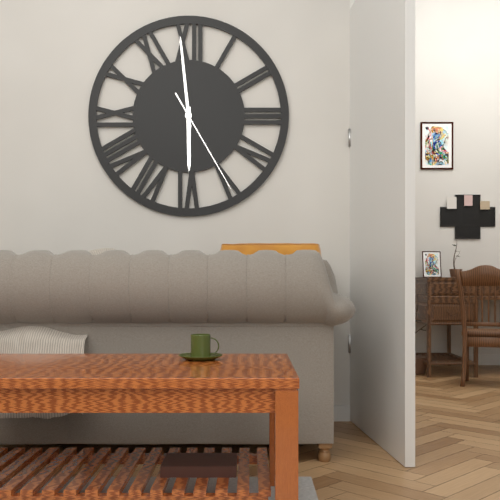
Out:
5 h 59 min 25 s
